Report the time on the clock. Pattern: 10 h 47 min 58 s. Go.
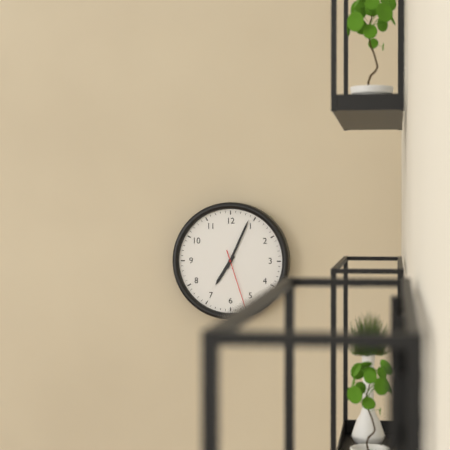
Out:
7 h 04 min 27 s
